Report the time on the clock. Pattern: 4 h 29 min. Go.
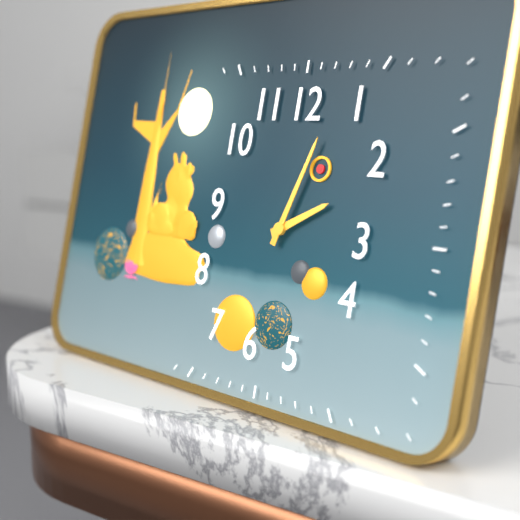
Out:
2 h 03 min
